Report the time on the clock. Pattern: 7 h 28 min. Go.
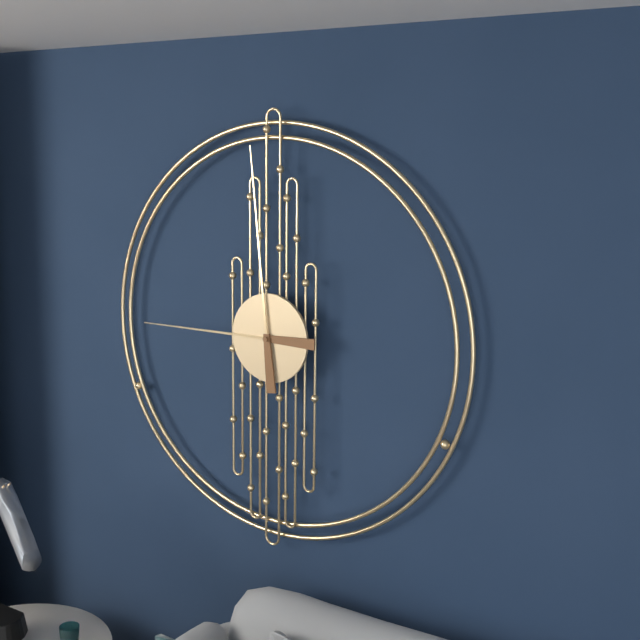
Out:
8 h 59 min
